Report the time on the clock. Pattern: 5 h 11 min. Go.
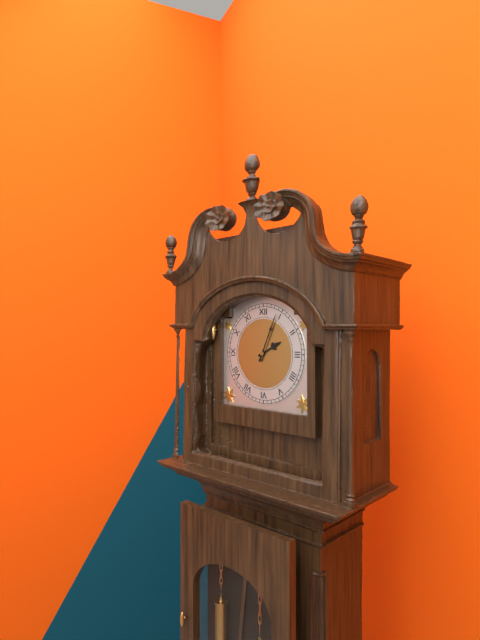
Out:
2 h 04 min
